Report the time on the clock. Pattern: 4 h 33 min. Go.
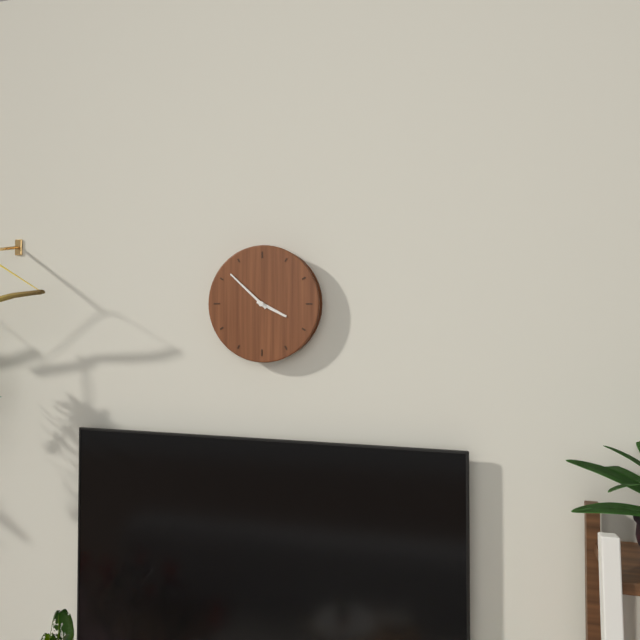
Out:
3 h 52 min
